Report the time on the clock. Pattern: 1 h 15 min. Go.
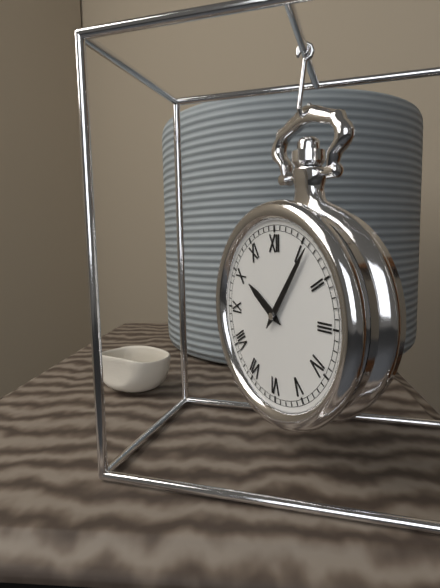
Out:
10 h 06 min
